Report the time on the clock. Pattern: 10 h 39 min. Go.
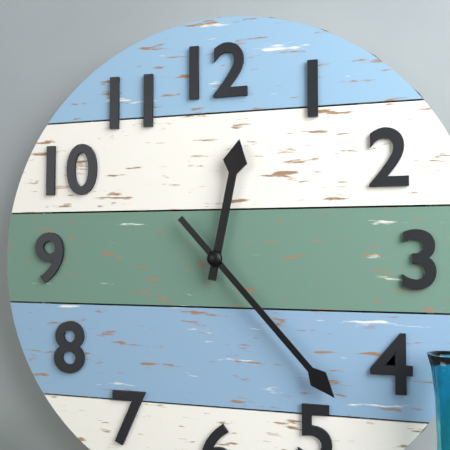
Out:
12 h 23 min
